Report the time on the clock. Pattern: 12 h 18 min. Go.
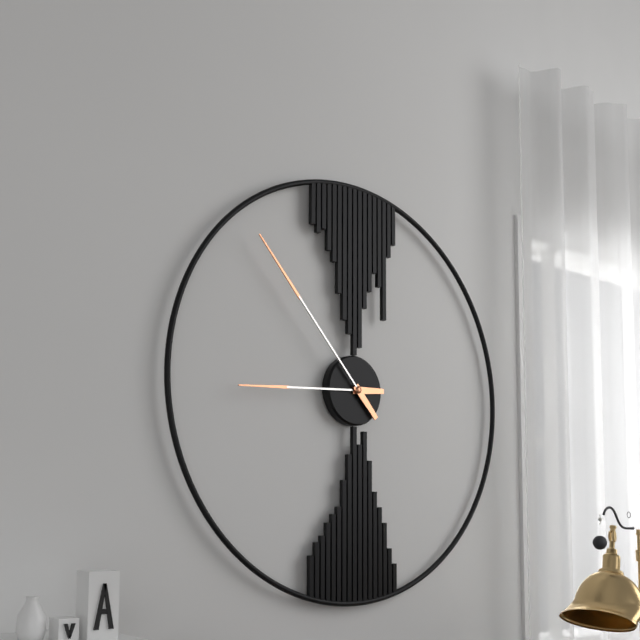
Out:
8 h 53 min
